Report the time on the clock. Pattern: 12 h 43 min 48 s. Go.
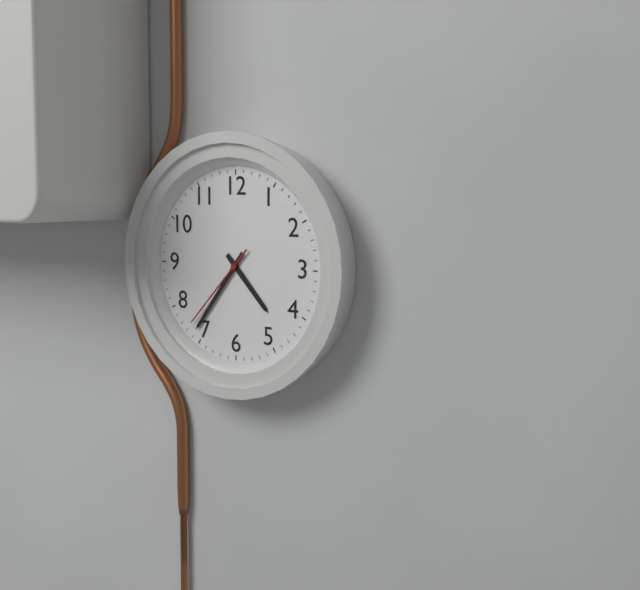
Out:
4 h 36 min 37 s
